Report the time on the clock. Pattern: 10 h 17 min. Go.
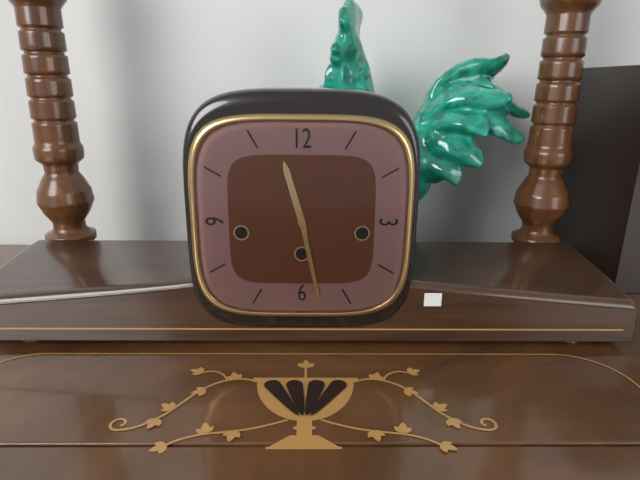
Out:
11 h 28 min
